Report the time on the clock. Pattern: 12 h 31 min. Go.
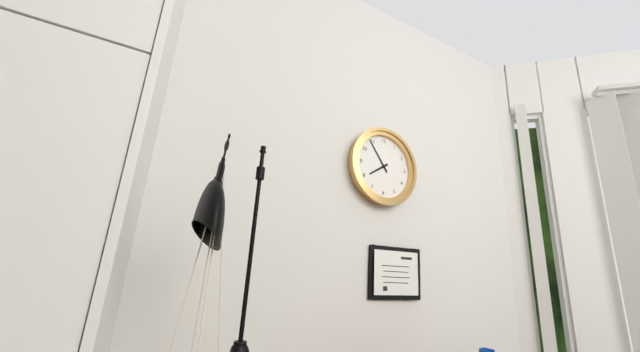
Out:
7 h 54 min
